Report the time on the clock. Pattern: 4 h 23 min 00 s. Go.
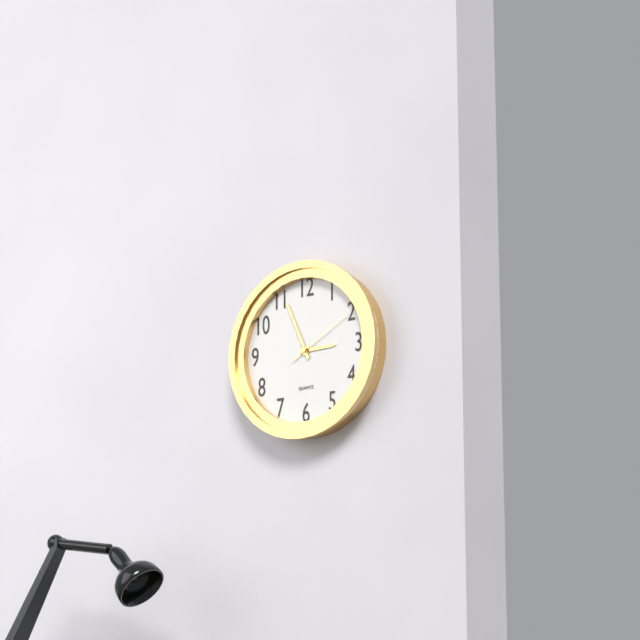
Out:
2 h 56 min 10 s
